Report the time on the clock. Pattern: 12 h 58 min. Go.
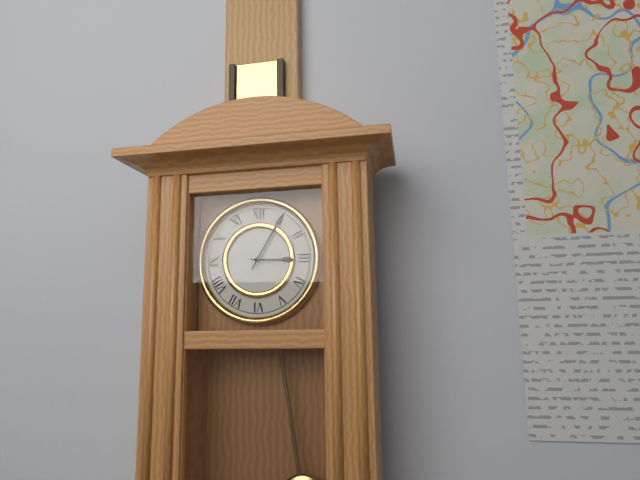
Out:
3 h 05 min
